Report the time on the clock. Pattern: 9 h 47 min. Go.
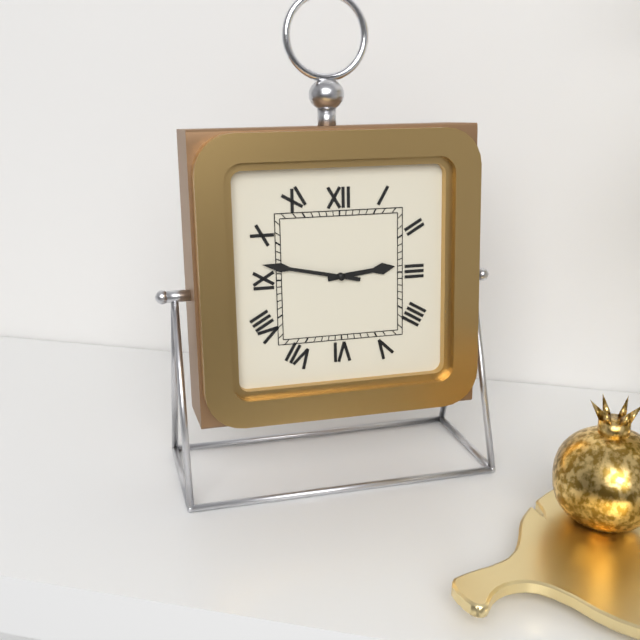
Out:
2 h 47 min
